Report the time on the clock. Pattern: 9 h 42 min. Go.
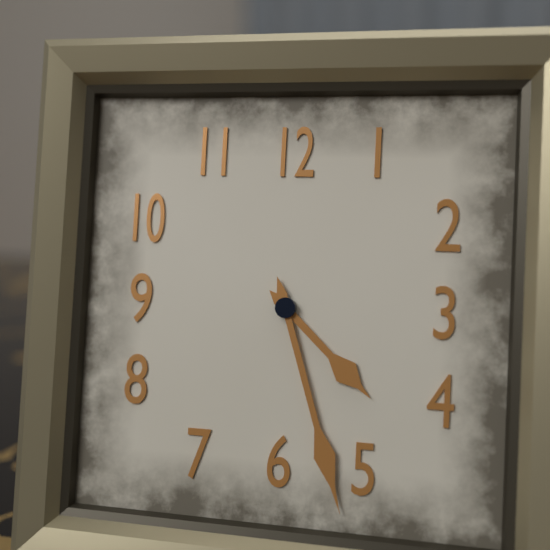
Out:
4 h 27 min
